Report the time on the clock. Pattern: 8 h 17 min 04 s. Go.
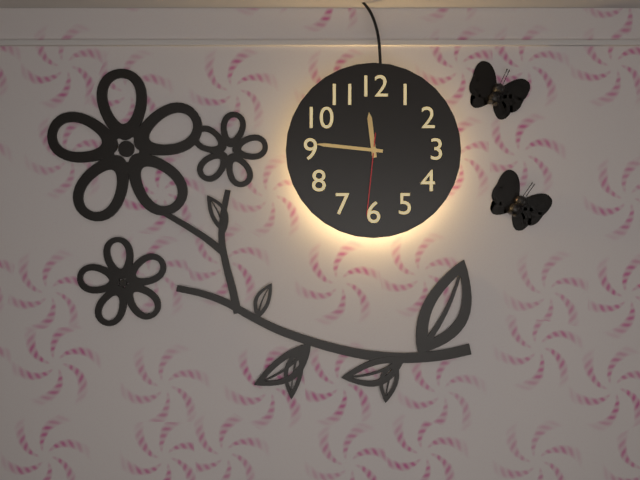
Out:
11 h 46 min 31 s
